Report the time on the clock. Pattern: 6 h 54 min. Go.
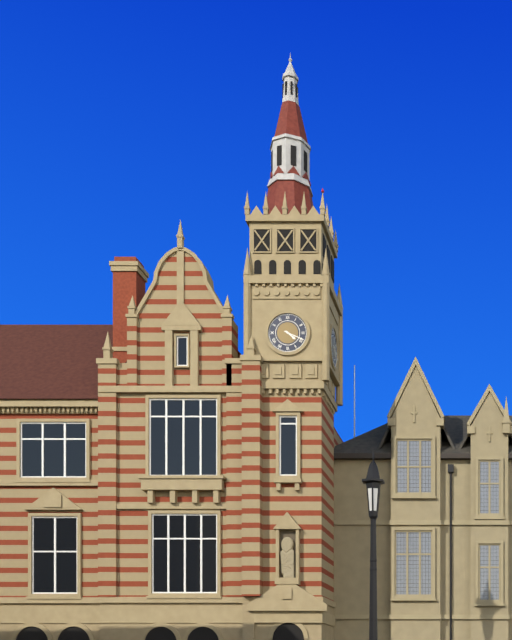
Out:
4 h 19 min
